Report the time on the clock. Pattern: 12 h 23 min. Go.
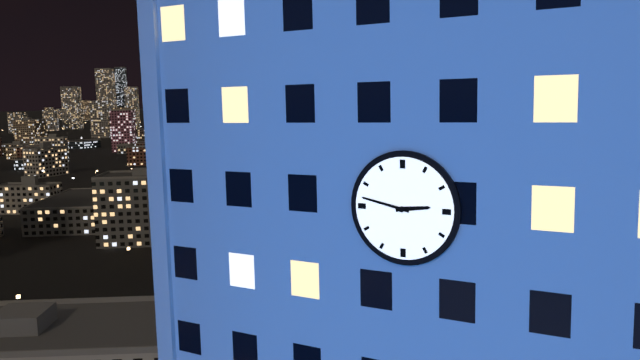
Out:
2 h 47 min
